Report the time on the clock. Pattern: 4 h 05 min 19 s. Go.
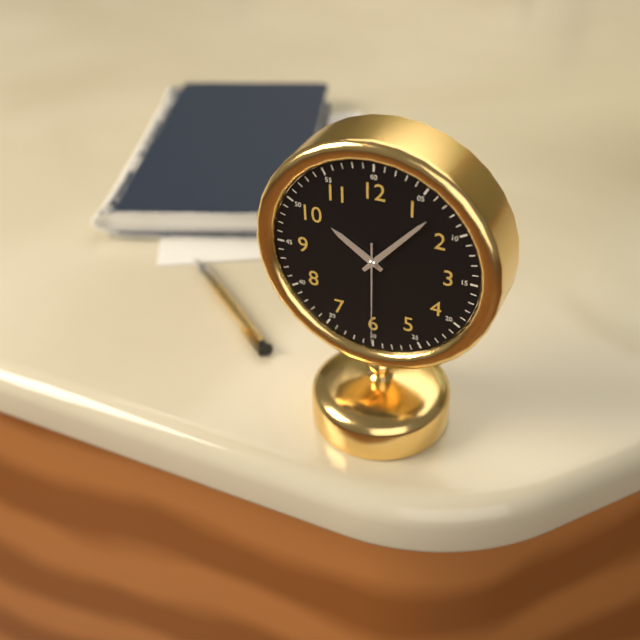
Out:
10 h 07 min 30 s
